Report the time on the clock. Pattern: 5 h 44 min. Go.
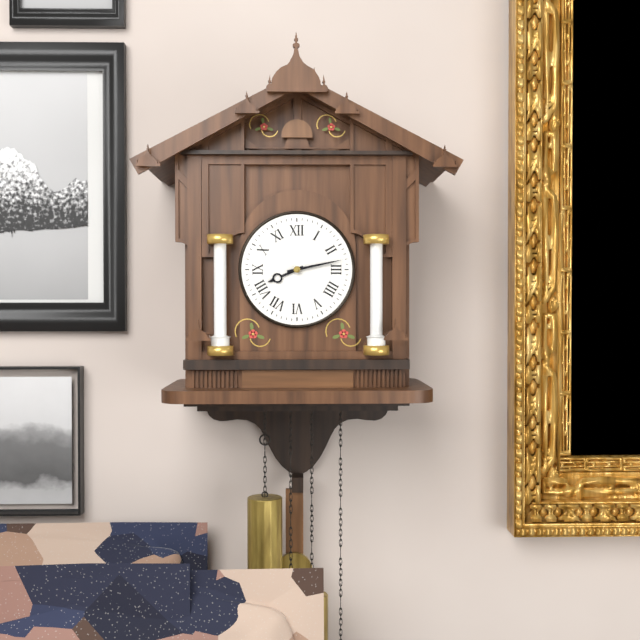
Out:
8 h 13 min
